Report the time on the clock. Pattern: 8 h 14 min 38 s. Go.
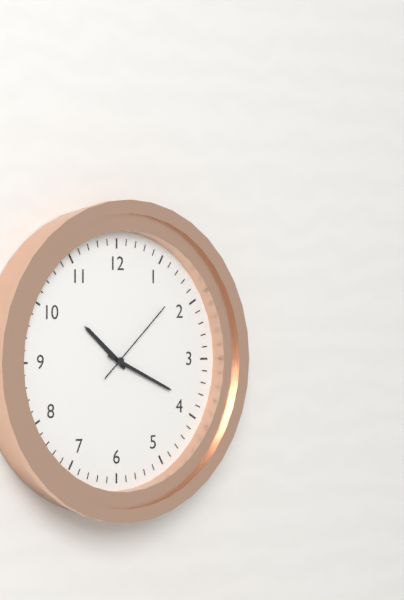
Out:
10 h 19 min 08 s
